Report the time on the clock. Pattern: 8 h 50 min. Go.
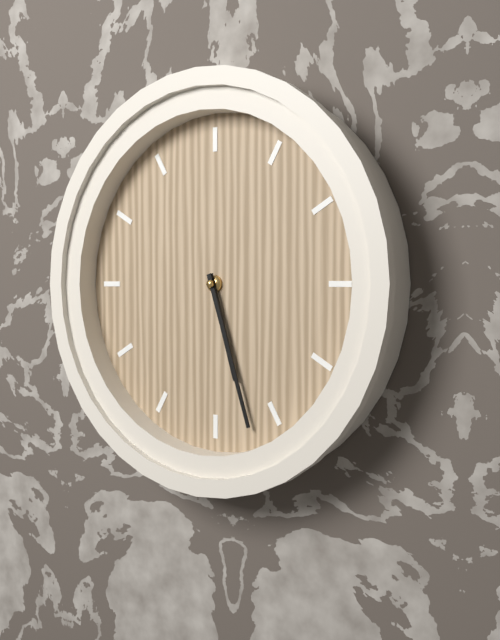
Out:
5 h 27 min
